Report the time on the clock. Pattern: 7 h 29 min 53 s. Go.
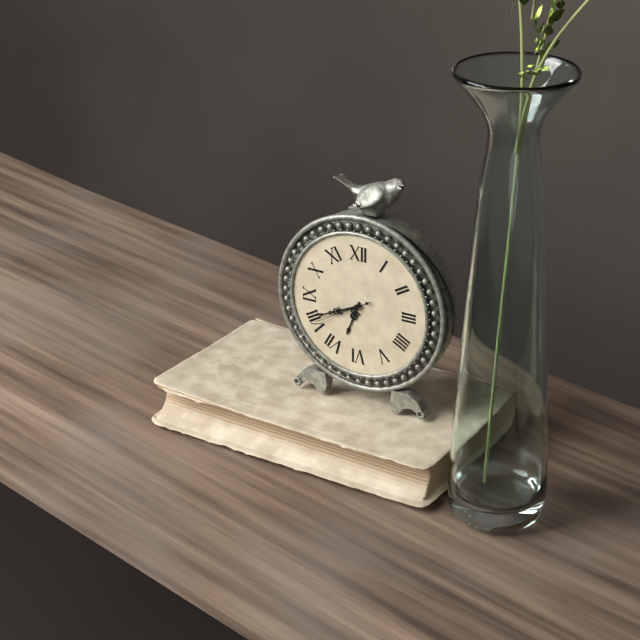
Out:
6 h 41 min 40 s
